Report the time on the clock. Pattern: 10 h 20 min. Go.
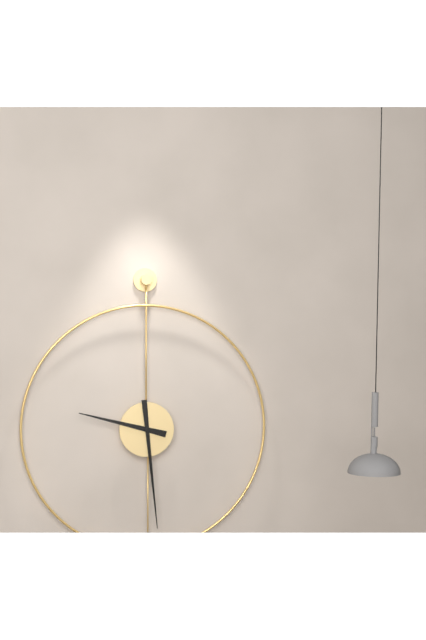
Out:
9 h 29 min
